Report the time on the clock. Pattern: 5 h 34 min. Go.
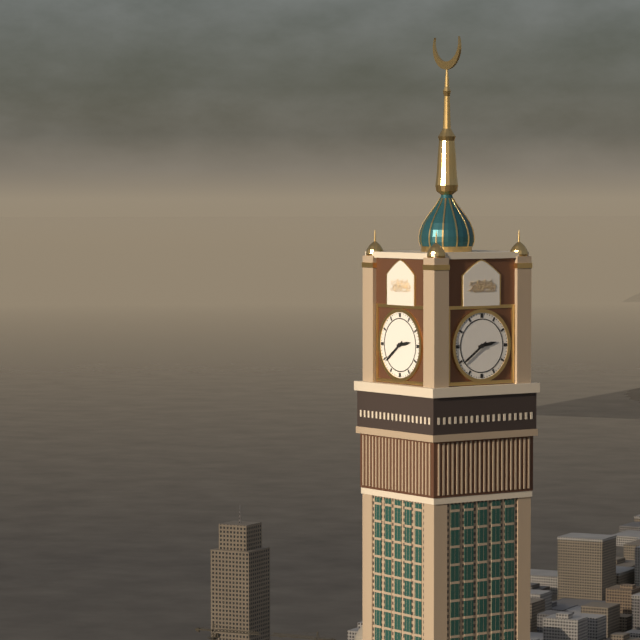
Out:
2 h 39 min
